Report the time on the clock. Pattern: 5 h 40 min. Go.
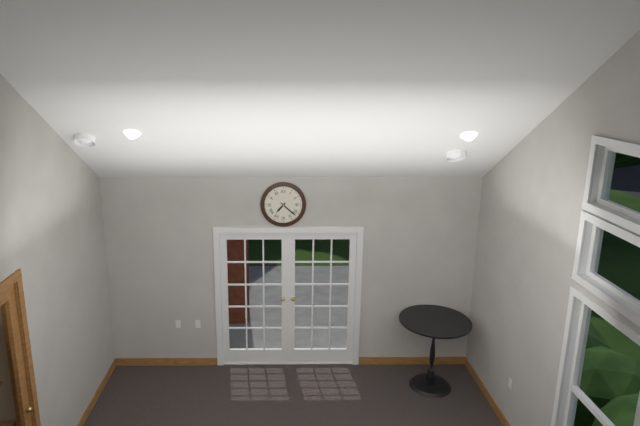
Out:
7 h 22 min
